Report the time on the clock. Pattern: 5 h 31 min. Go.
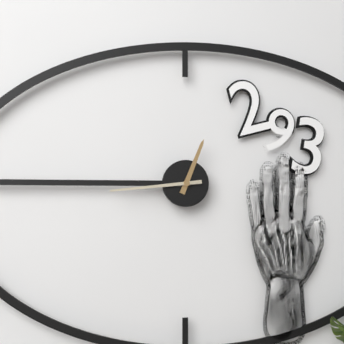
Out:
12 h 44 min
